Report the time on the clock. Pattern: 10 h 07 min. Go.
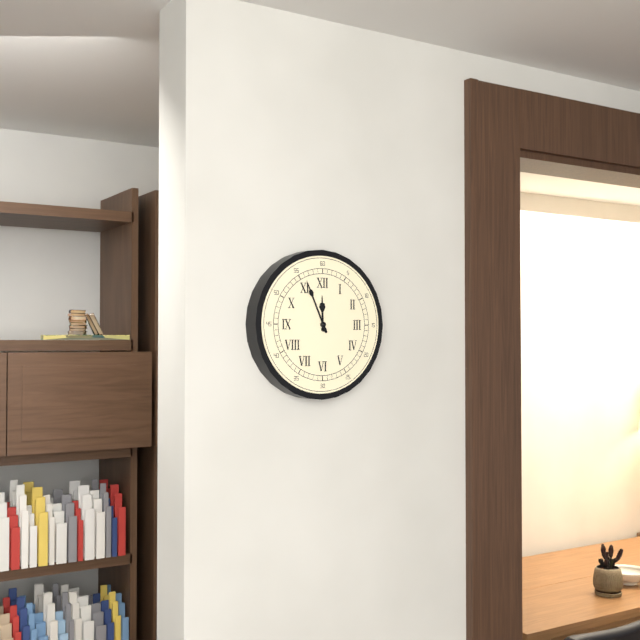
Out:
11 h 56 min
